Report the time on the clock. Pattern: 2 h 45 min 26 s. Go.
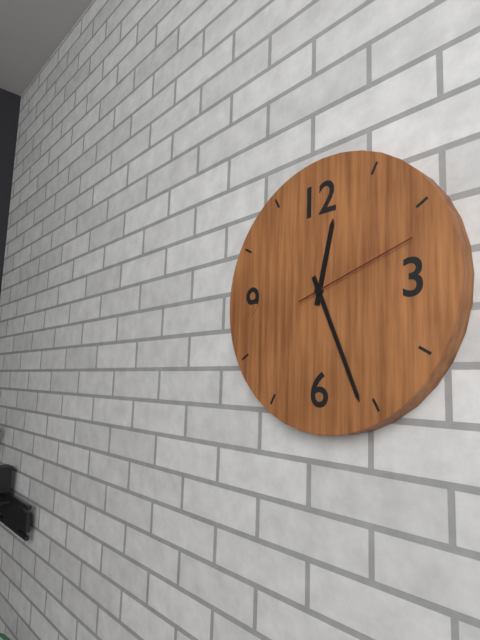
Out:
12 h 26 min 12 s
